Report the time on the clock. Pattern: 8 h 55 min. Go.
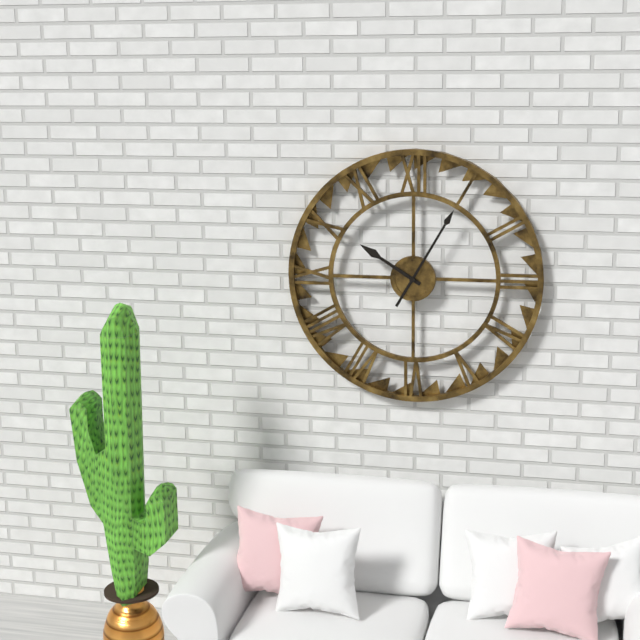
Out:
10 h 05 min
